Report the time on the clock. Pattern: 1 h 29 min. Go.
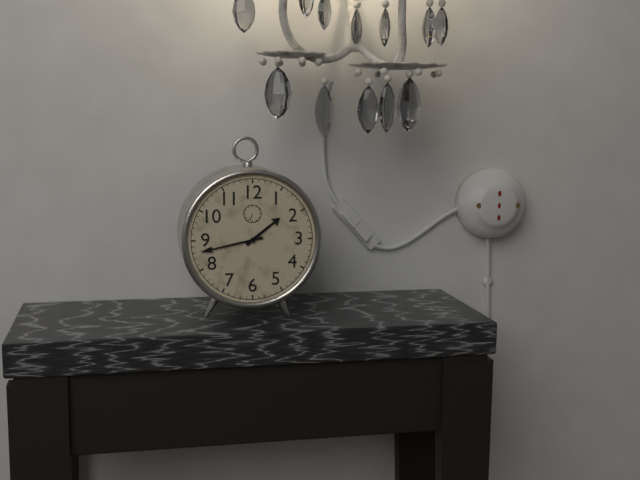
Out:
1 h 43 min
